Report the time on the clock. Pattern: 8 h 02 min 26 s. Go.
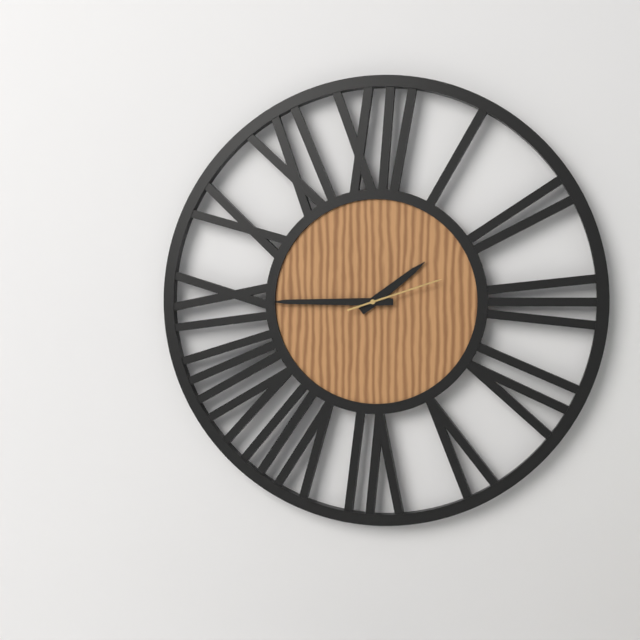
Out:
1 h 45 min 12 s
